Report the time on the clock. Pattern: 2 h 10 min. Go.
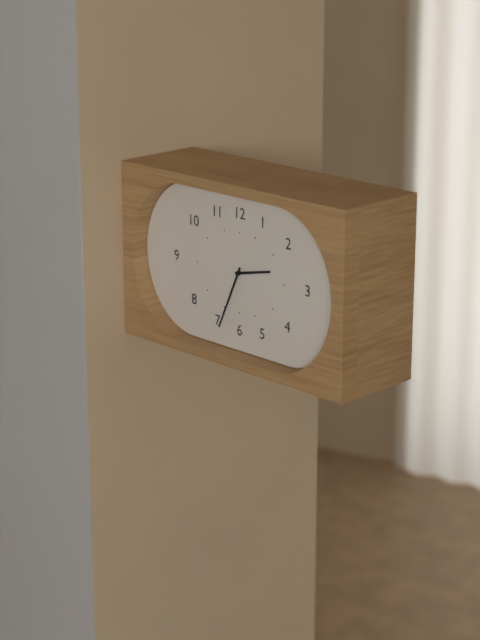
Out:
2 h 34 min
